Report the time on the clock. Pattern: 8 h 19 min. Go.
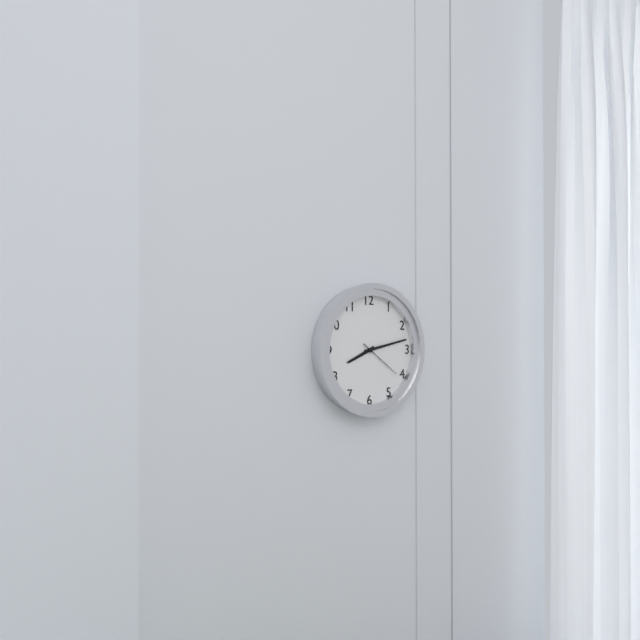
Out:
8 h 13 min
